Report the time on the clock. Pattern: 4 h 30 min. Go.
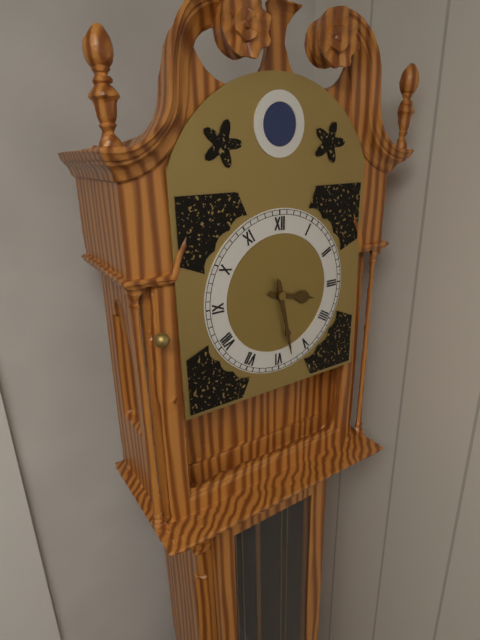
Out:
3 h 28 min
